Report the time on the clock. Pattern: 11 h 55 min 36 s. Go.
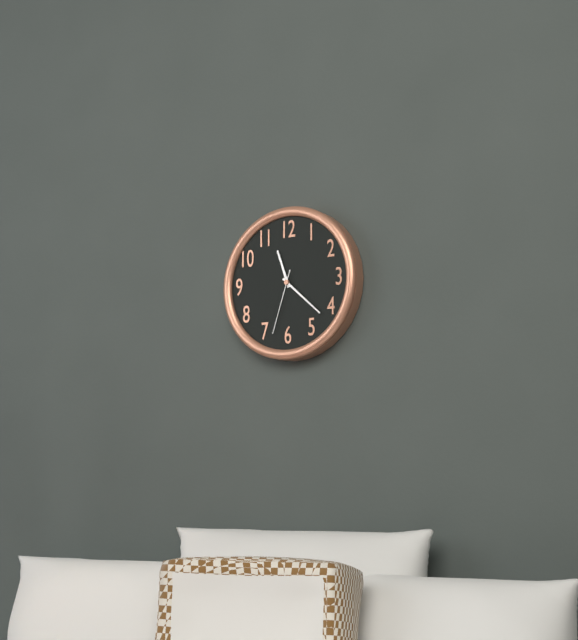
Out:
11 h 22 min 33 s
